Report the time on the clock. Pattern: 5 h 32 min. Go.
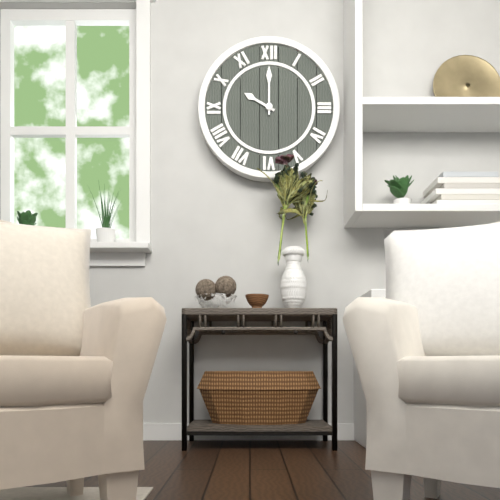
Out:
10 h 00 min
